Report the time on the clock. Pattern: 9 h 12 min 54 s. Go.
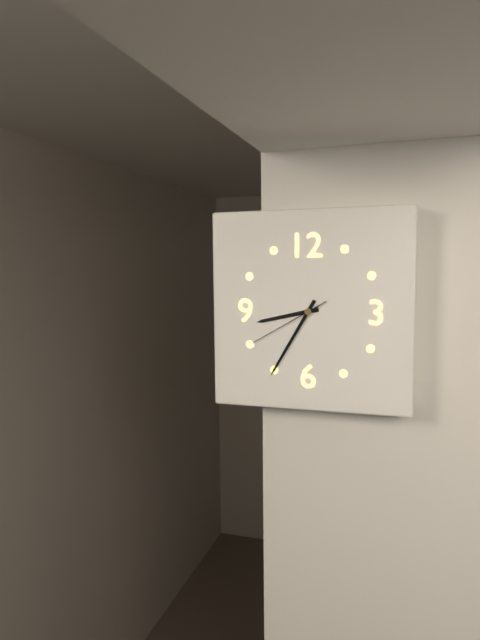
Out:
8 h 35 min 40 s
